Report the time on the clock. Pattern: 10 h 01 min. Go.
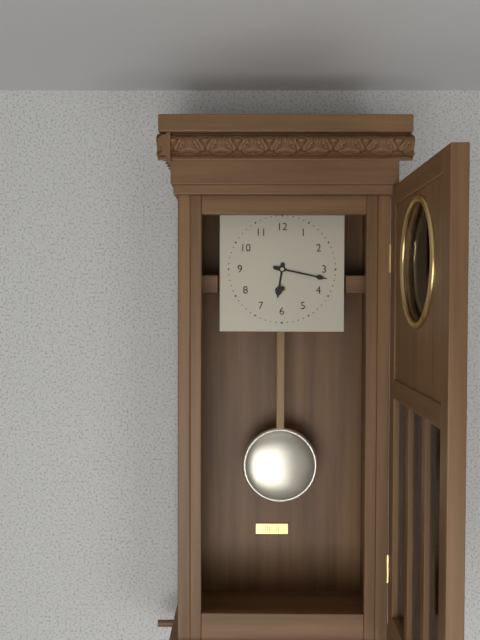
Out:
6 h 17 min
